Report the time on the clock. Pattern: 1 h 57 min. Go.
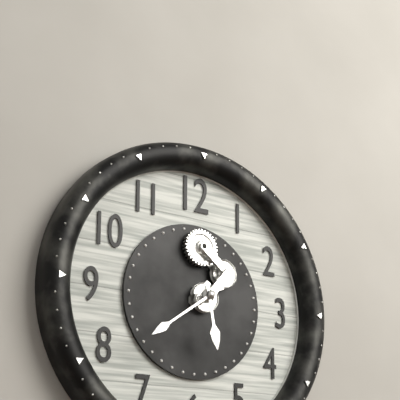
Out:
5 h 39 min
